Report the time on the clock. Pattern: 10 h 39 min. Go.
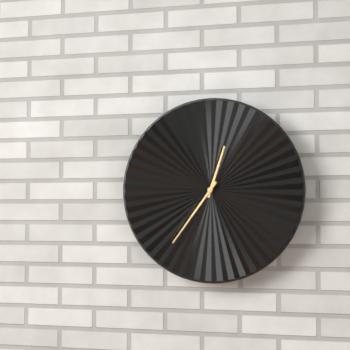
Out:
12 h 36 min
